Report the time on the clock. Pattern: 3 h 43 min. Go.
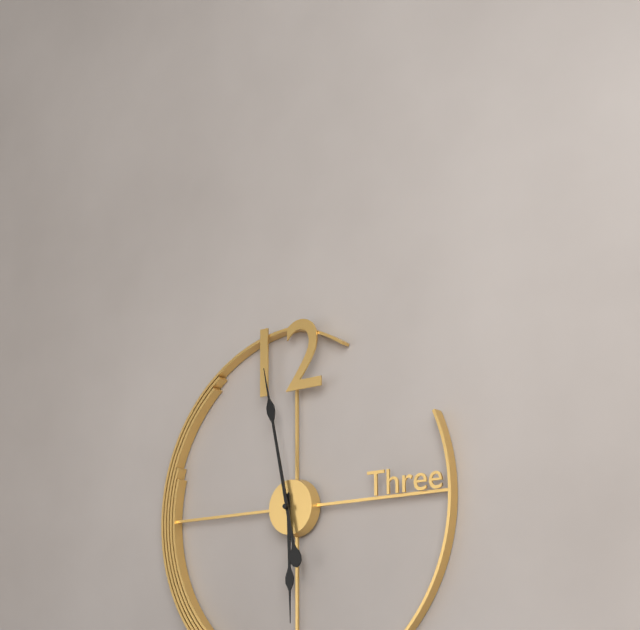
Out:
5 h 58 min
